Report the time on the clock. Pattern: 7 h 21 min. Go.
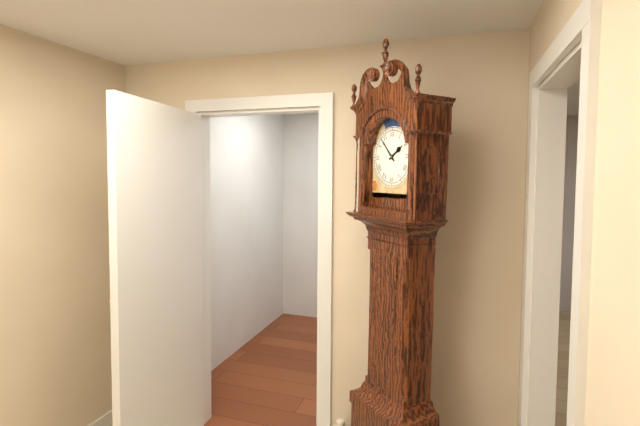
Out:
1 h 53 min
